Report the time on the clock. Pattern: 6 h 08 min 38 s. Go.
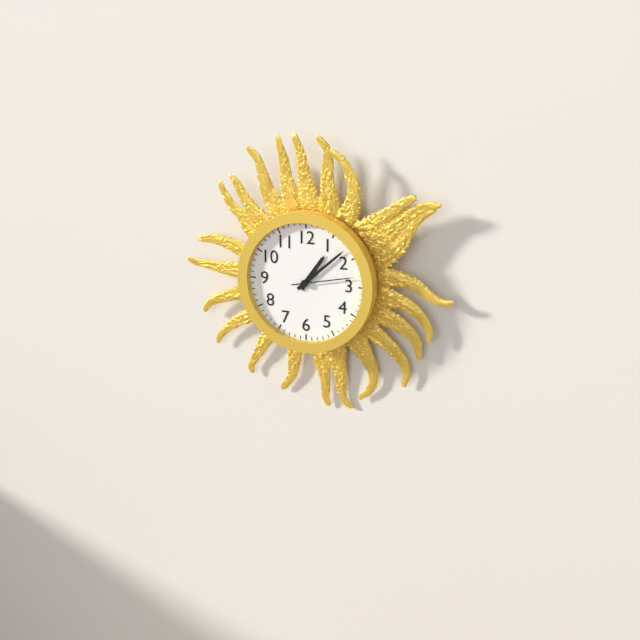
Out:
1 h 08 min 13 s
